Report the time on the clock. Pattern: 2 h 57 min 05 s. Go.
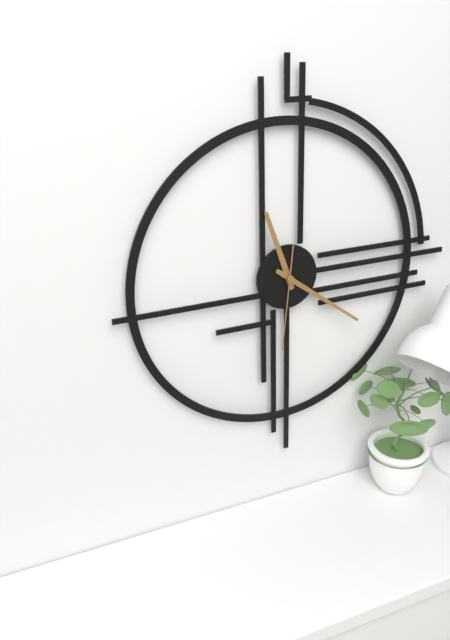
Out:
11 h 21 min 31 s
